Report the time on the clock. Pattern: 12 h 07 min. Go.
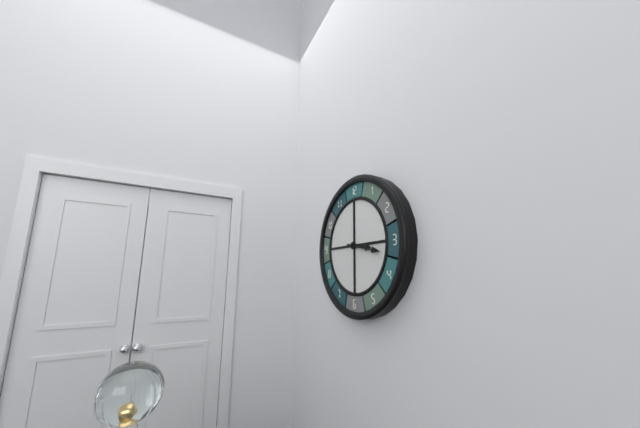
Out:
3 h 17 min
